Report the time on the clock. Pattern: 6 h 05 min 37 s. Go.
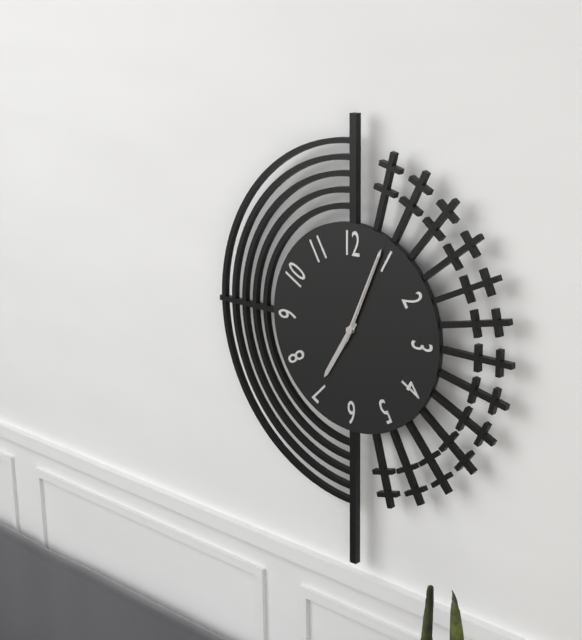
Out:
7 h 04 min 04 s
